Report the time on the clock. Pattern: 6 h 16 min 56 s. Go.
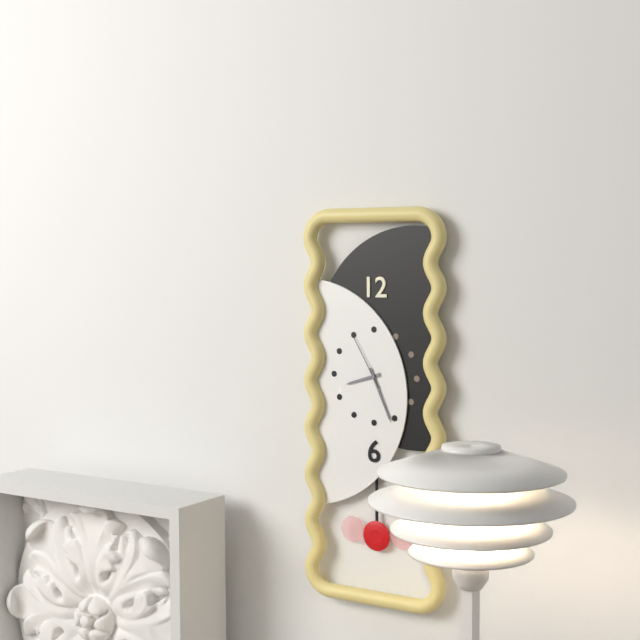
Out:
8 h 26 min 55 s
